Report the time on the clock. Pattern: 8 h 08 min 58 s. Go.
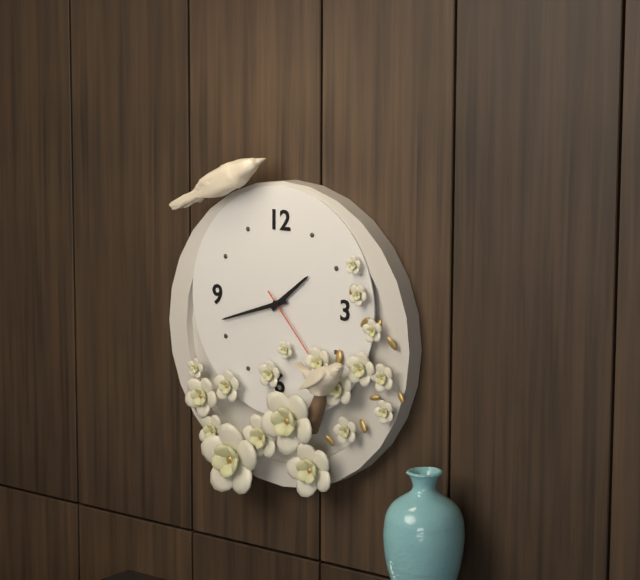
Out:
1 h 42 min 23 s
